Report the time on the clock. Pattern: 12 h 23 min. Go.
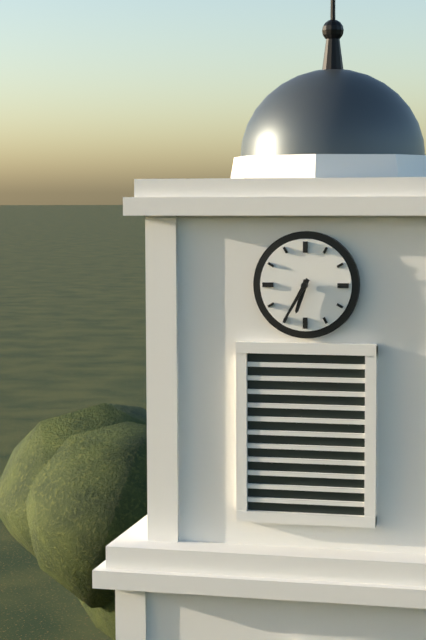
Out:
6 h 35 min
